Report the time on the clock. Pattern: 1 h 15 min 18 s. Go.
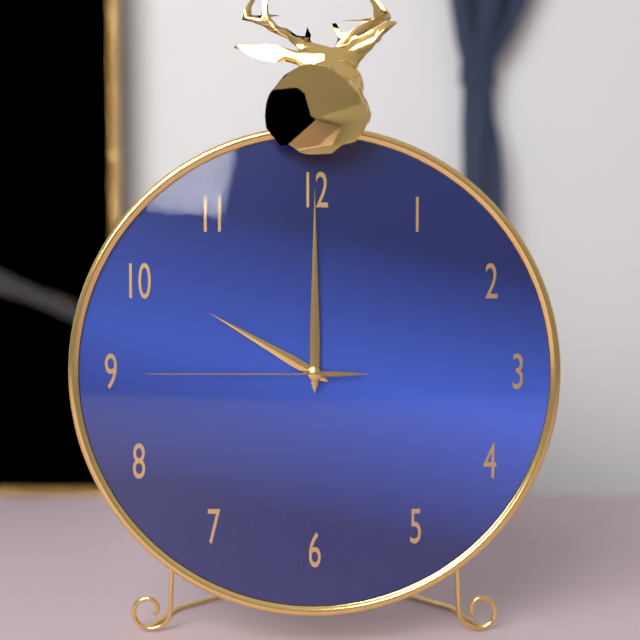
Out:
10 h 00 min 45 s
